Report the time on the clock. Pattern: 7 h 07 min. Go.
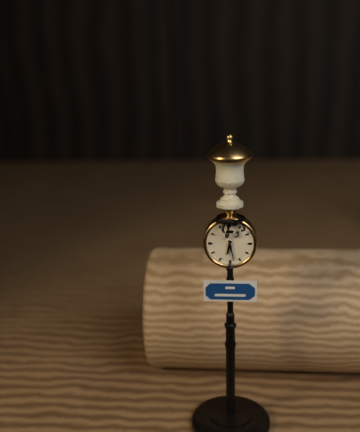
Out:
6 h 28 min
